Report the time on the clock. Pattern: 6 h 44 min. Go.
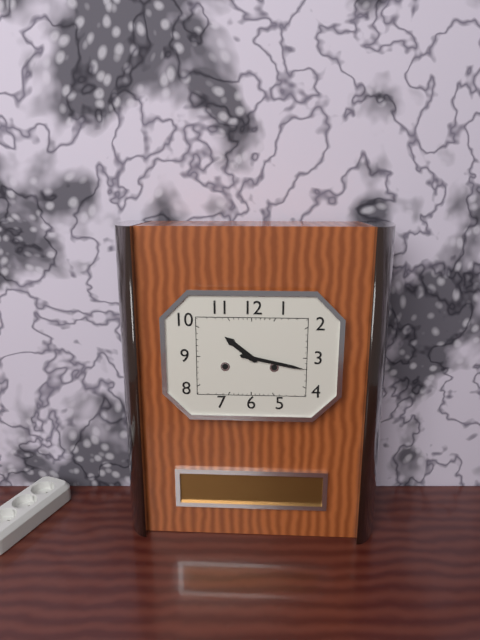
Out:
10 h 17 min
